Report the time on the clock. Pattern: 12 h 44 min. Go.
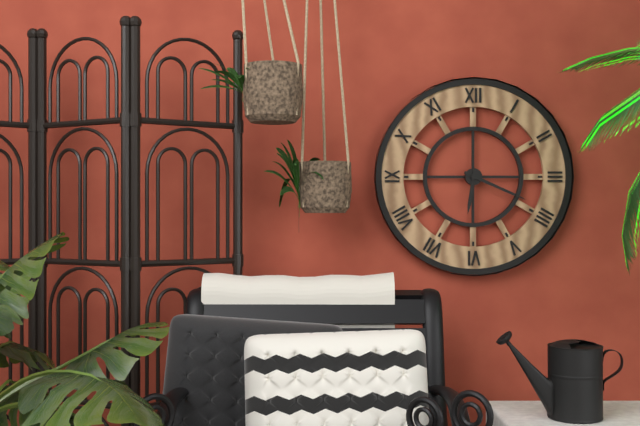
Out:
6 h 19 min
